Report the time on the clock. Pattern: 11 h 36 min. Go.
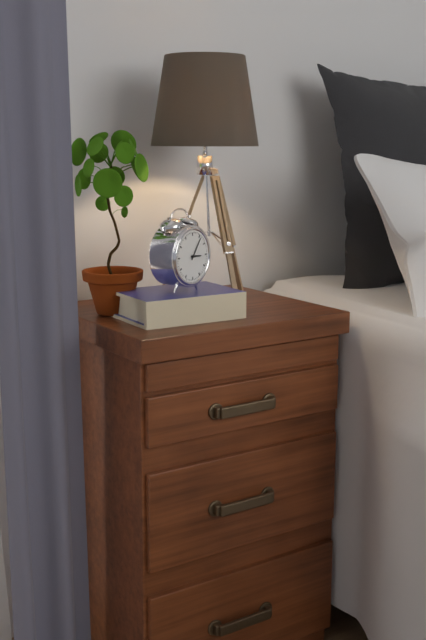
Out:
3 h 06 min
